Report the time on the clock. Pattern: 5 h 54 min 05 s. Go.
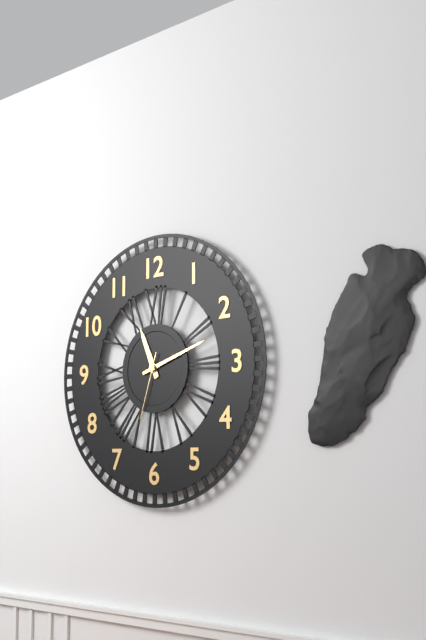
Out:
11 h 12 min 33 s
